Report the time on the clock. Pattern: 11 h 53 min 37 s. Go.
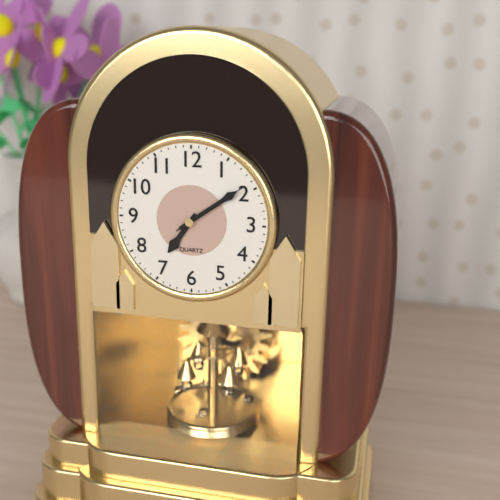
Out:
7 h 09 min 09 s
